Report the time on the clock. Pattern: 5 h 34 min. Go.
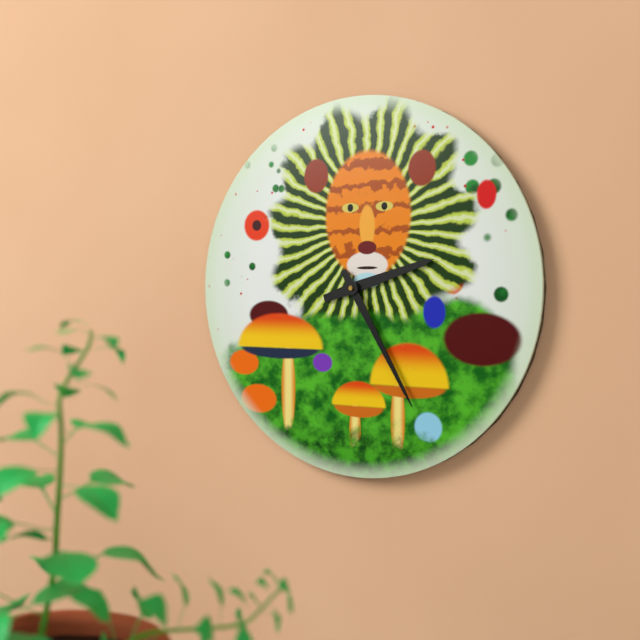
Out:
2 h 25 min
